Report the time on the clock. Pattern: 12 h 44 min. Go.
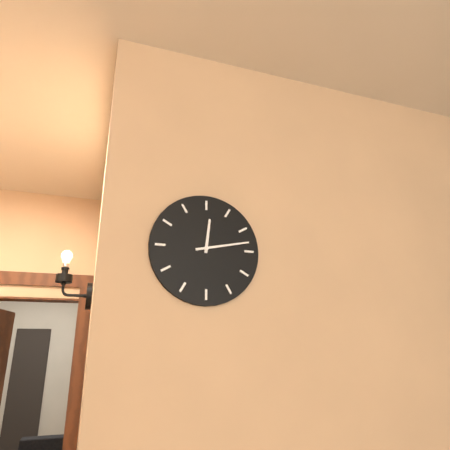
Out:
12 h 13 min
